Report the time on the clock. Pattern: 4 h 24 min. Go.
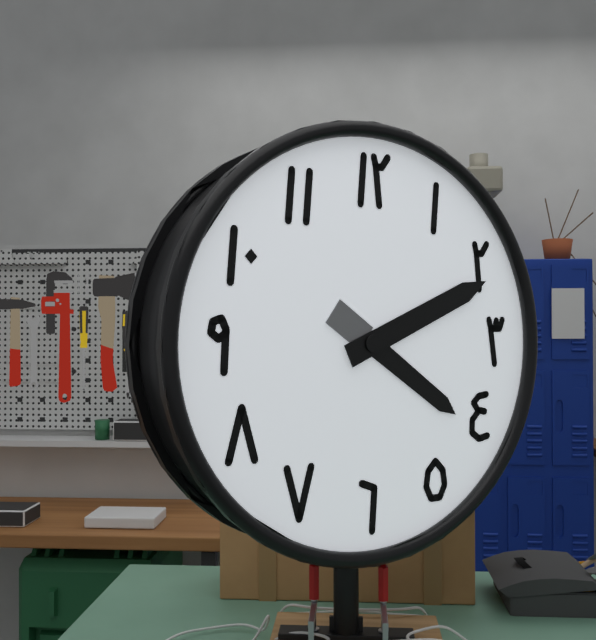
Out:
4 h 11 min
